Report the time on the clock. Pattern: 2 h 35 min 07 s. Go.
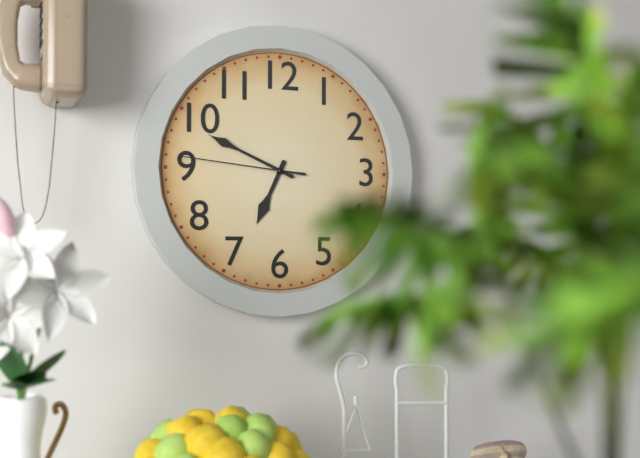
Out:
6 h 49 min 46 s
